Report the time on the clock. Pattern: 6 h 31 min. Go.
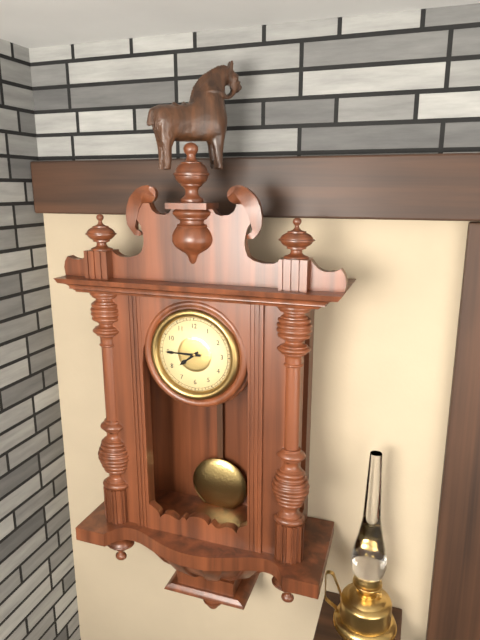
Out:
7 h 45 min
